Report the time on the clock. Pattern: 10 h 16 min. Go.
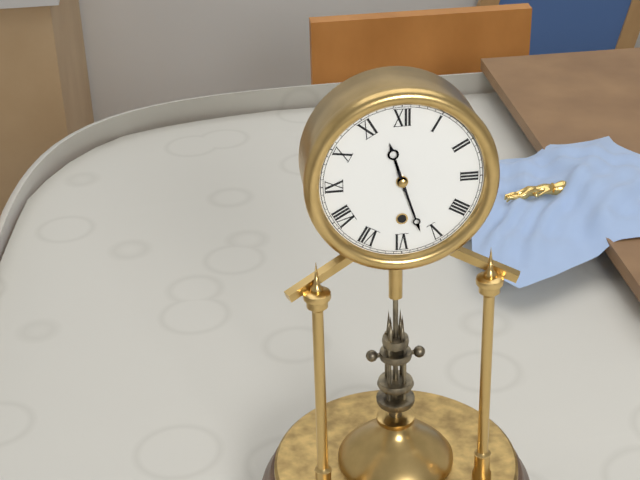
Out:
11 h 27 min
